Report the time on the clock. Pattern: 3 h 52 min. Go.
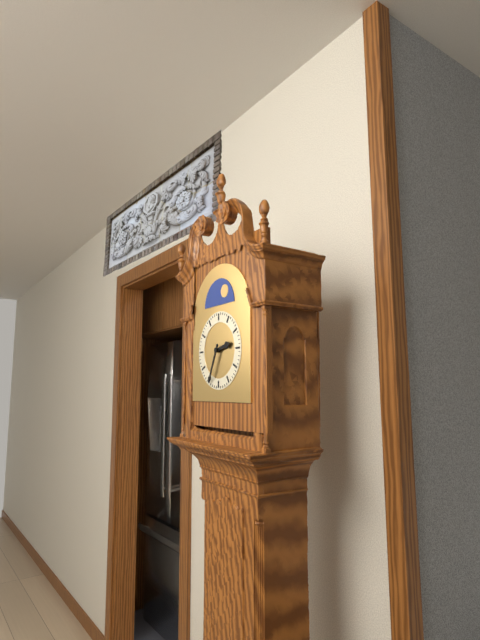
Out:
2 h 34 min
